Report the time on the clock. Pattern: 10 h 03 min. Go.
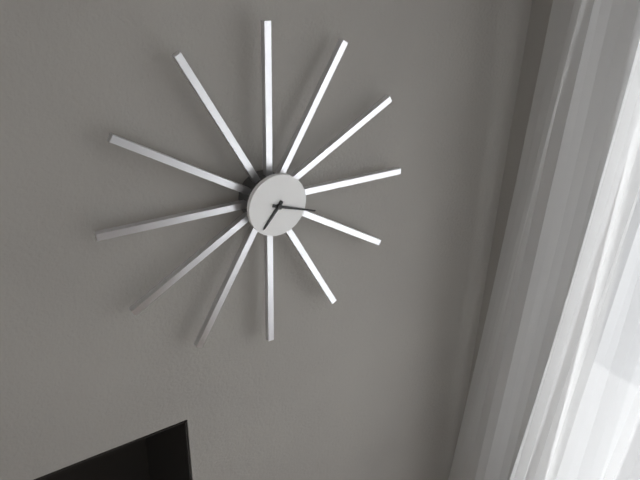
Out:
7 h 18 min
